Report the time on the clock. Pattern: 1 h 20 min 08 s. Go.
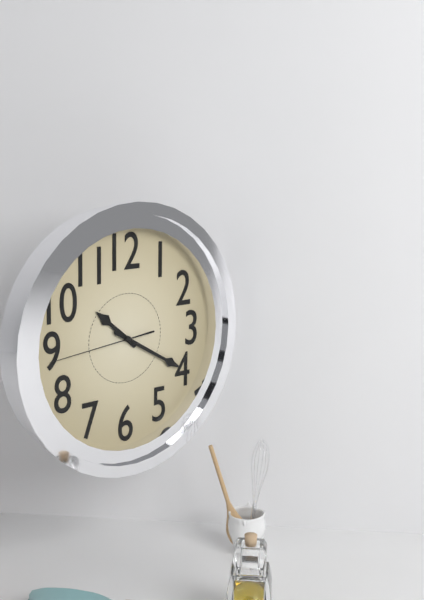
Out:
10 h 20 min 44 s
